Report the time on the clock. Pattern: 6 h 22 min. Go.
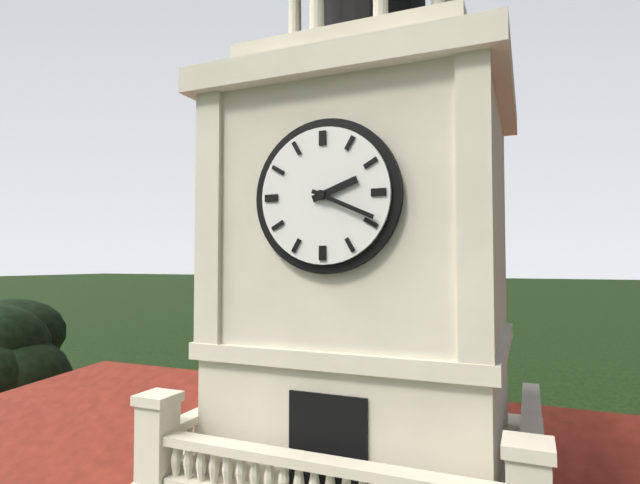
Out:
2 h 19 min
